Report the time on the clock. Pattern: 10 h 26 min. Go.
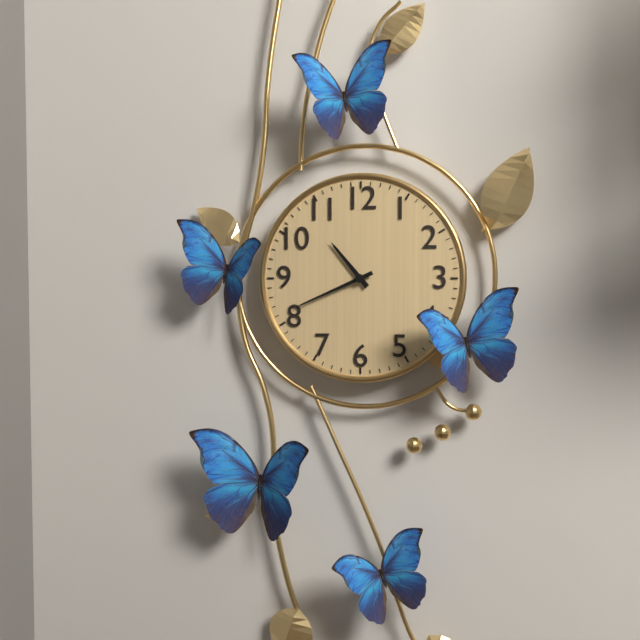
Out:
10 h 41 min
